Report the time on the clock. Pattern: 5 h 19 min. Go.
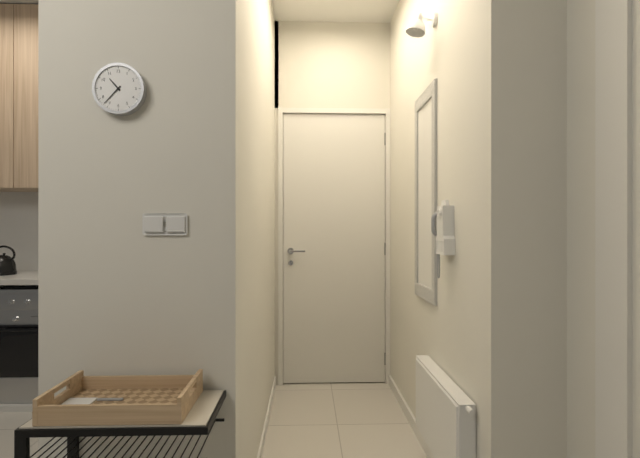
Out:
10 h 37 min
